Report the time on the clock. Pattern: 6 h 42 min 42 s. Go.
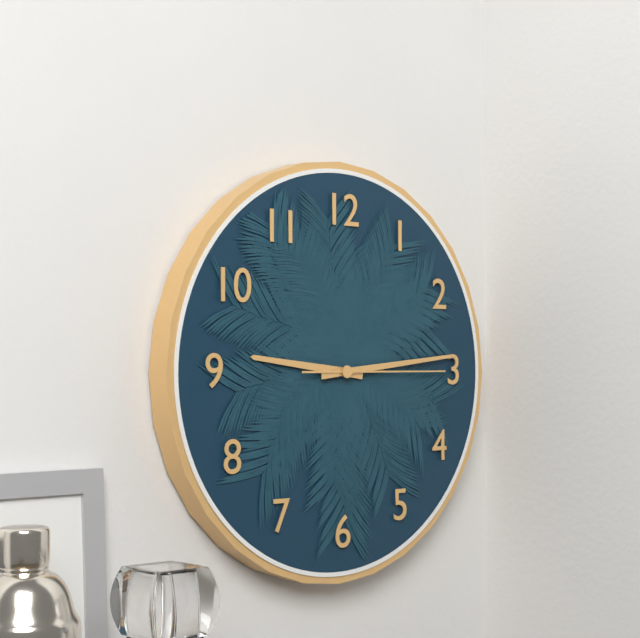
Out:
9 h 14 min 15 s
